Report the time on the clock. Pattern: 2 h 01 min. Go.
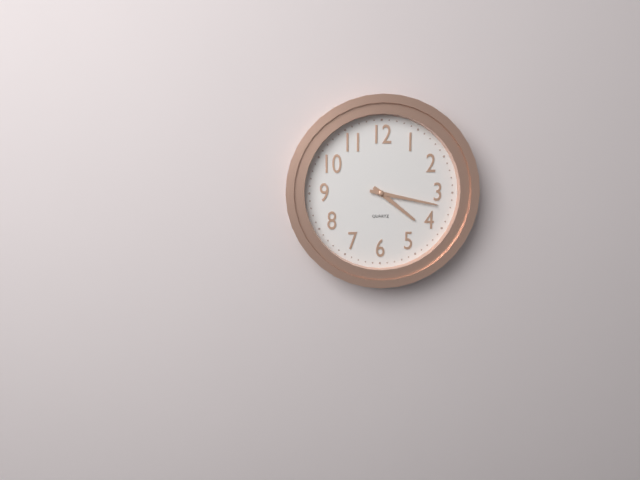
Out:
4 h 17 min
